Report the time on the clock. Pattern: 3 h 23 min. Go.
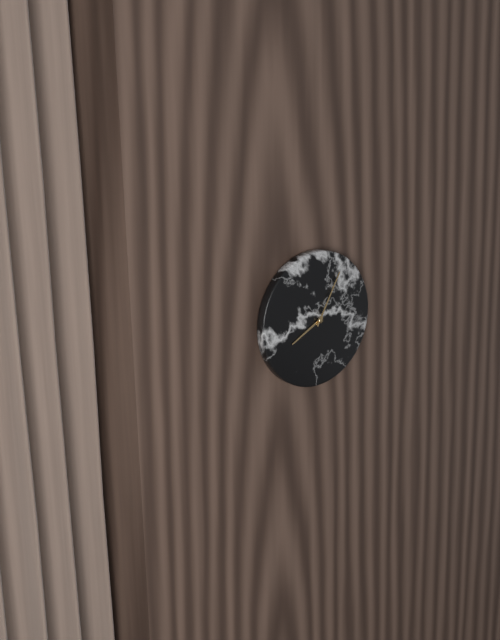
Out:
8 h 05 min
